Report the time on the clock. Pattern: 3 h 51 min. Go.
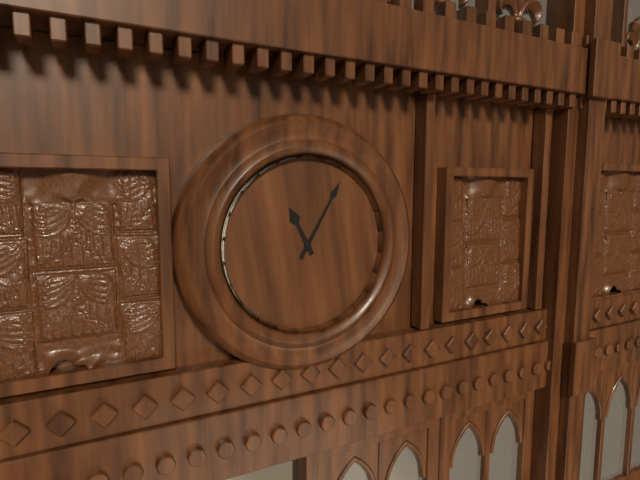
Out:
11 h 05 min
